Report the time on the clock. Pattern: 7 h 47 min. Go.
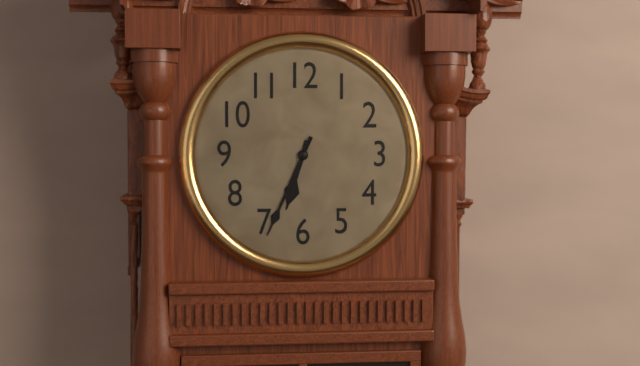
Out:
6 h 34 min
